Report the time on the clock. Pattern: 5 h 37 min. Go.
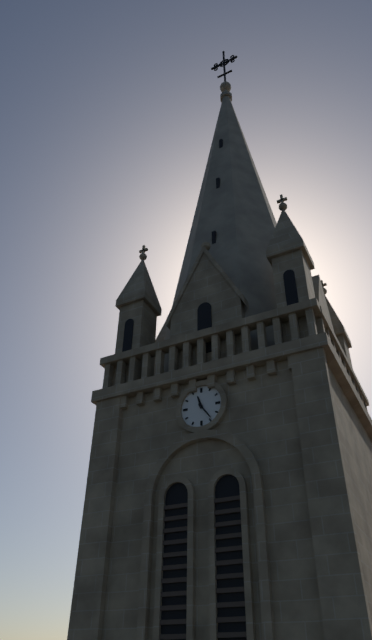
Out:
11 h 24 min
